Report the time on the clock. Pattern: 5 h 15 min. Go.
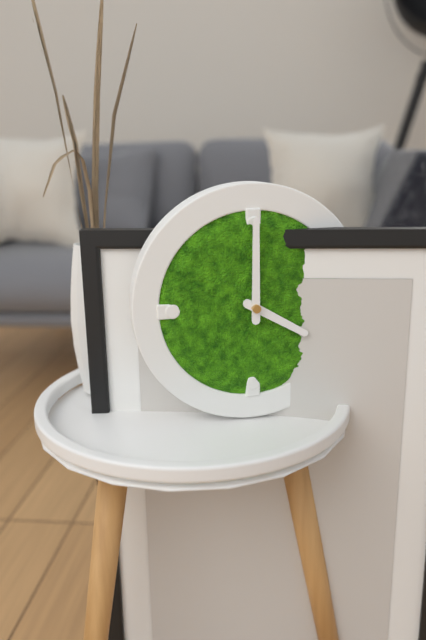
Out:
4 h 00 min
